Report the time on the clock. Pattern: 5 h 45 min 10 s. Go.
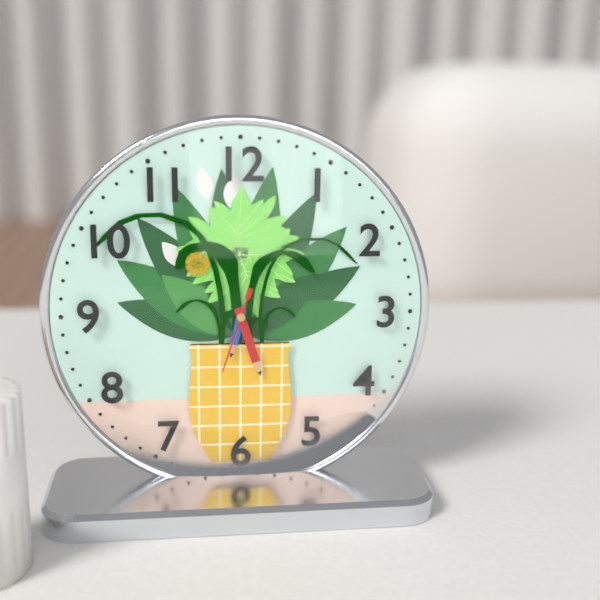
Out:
6 h 27 min 33 s
